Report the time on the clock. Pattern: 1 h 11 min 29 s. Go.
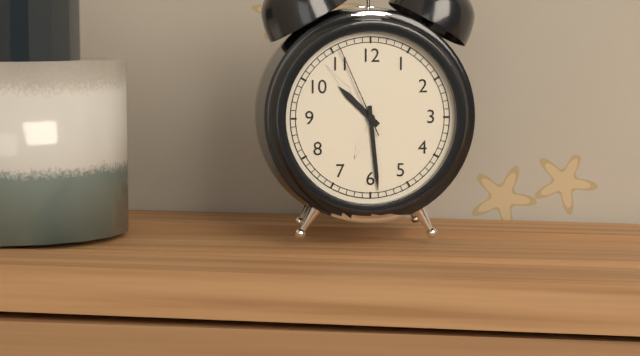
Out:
10 h 29 min 56 s
